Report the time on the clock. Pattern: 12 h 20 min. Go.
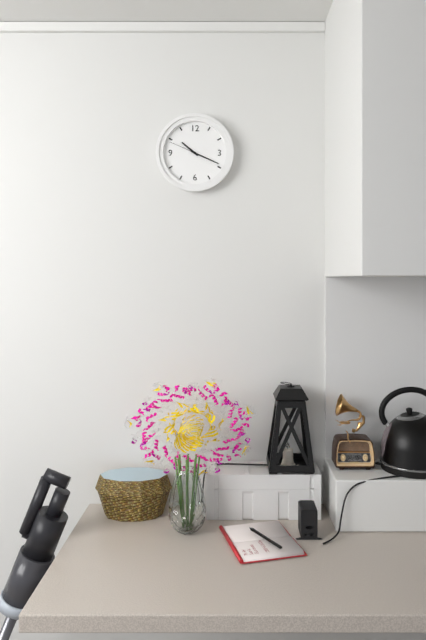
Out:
10 h 19 min
